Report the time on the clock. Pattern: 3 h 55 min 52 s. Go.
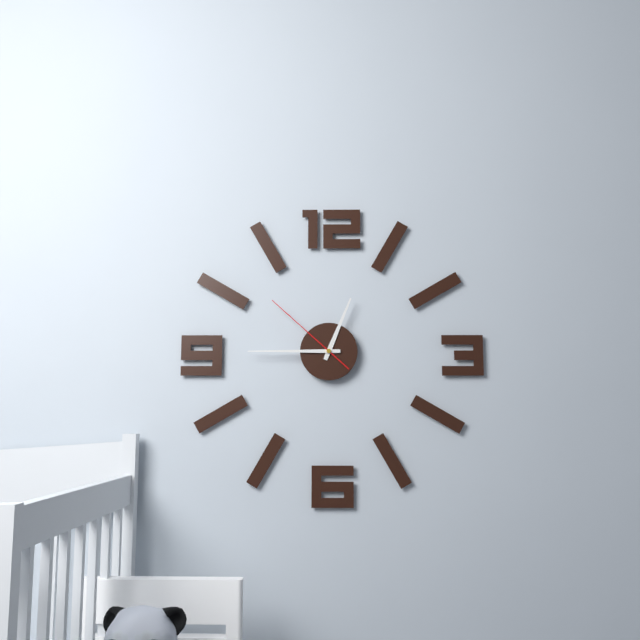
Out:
12 h 45 min 52 s
